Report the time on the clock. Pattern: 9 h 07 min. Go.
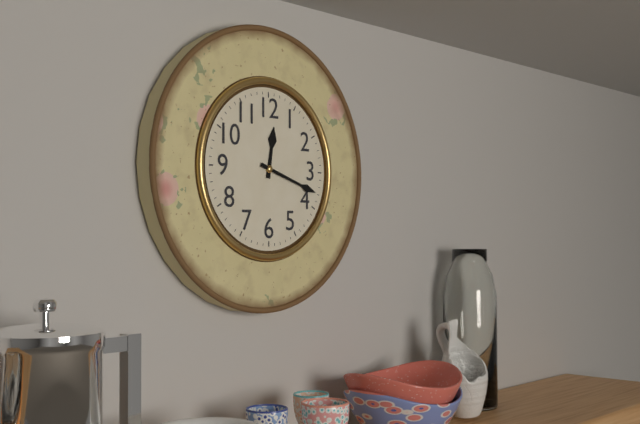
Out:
12 h 18 min
